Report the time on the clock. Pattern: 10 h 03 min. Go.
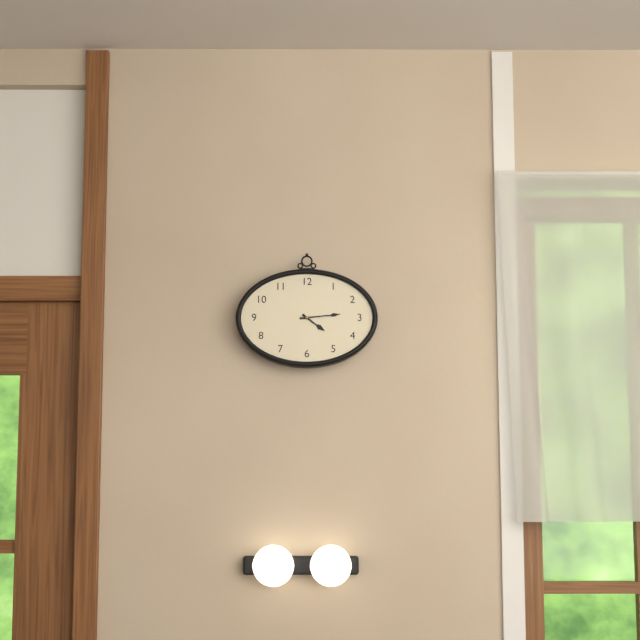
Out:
4 h 14 min
